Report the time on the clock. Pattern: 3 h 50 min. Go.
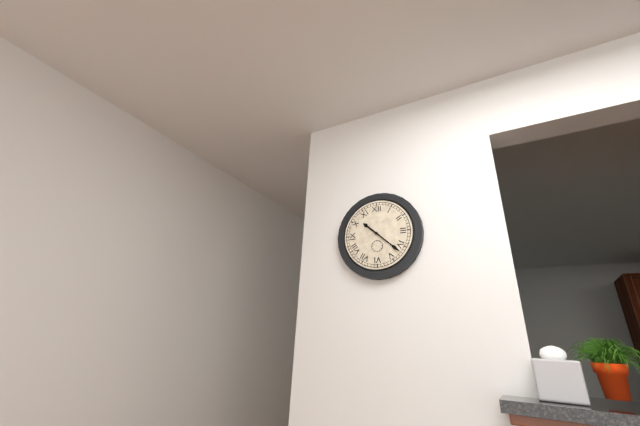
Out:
10 h 22 min
